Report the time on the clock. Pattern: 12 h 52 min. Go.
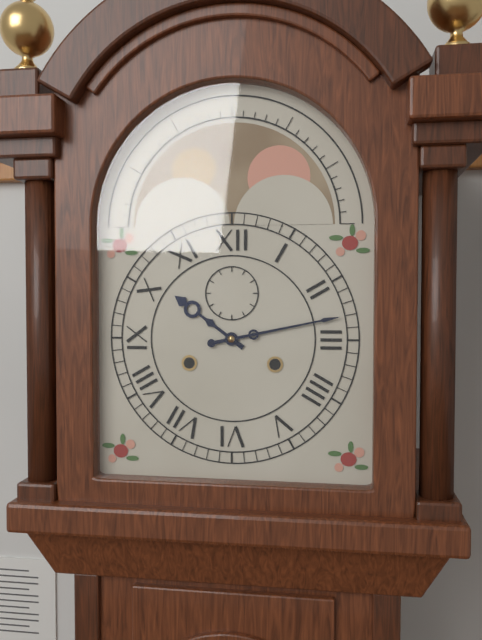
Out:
10 h 13 min
